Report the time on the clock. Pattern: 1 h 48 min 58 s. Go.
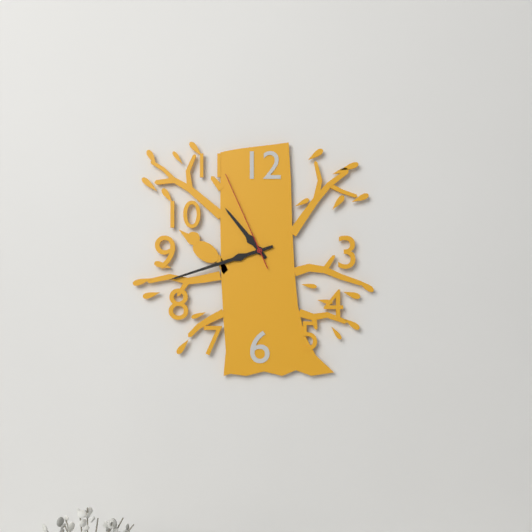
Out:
10 h 42 min 56 s
